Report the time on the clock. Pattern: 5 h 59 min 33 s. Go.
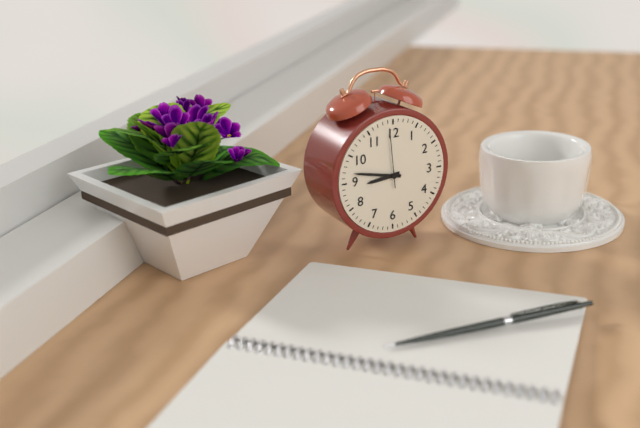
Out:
8 h 47 min 59 s
